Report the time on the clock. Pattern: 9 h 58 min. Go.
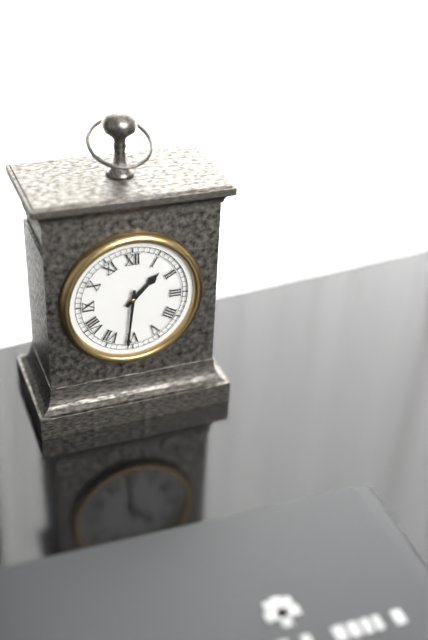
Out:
1 h 31 min
